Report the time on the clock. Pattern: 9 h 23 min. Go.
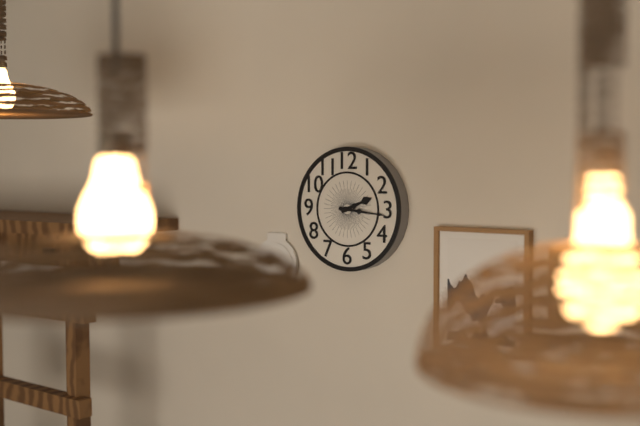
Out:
2 h 16 min
